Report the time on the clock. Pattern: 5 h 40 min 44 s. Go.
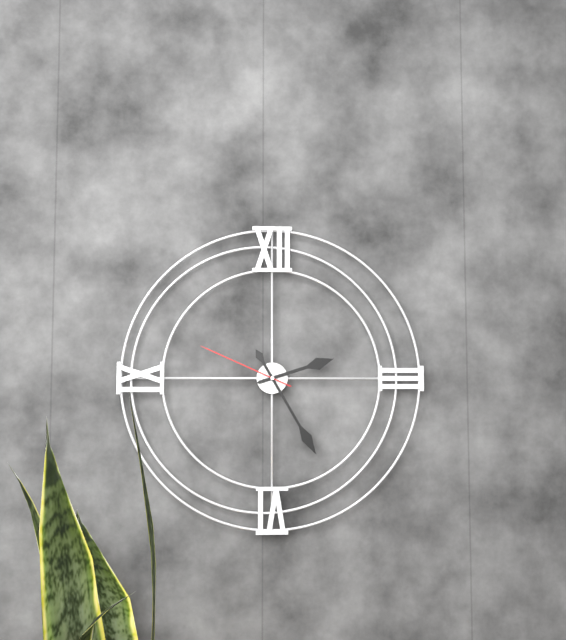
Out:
2 h 25 min 49 s
